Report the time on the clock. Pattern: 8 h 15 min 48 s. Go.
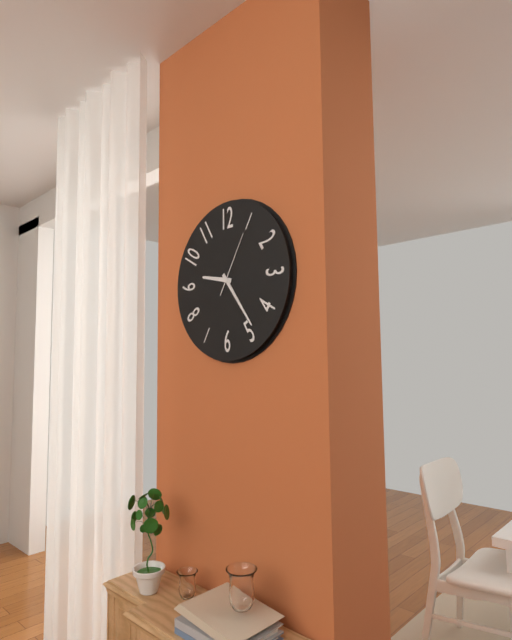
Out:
9 h 24 min 05 s
